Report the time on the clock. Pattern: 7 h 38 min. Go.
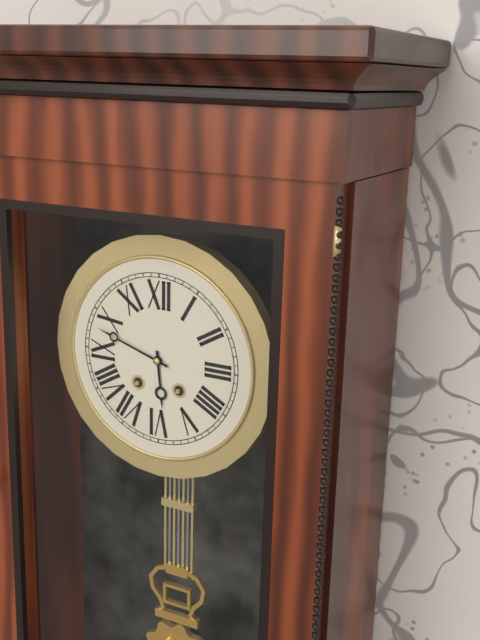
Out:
5 h 48 min
